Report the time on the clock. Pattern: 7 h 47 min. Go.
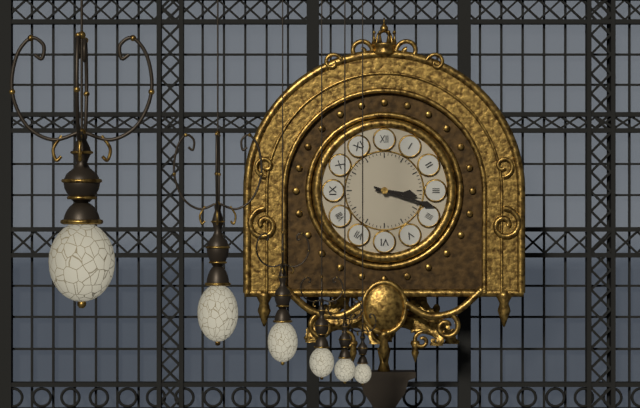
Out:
3 h 18 min
